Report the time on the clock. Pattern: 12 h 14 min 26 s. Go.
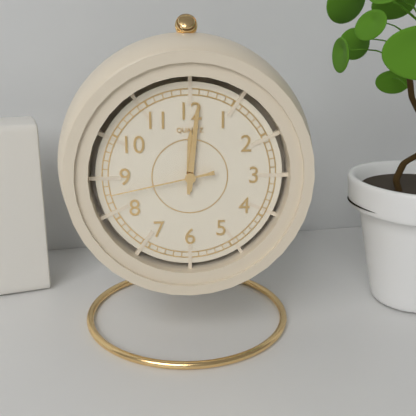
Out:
12 h 01 min 43 s
